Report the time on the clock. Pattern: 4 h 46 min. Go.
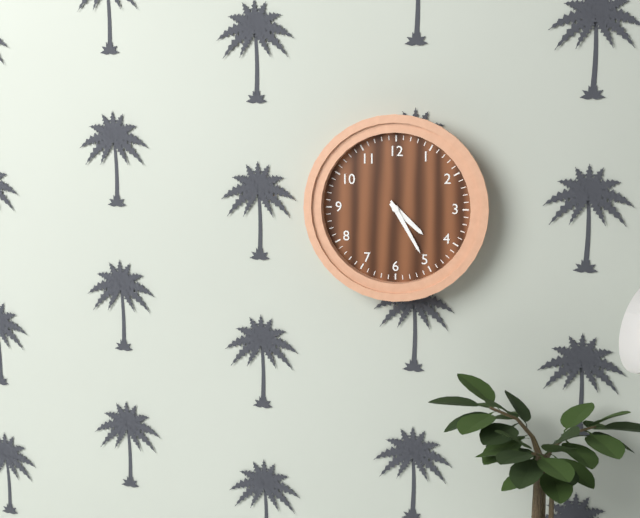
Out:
4 h 25 min
